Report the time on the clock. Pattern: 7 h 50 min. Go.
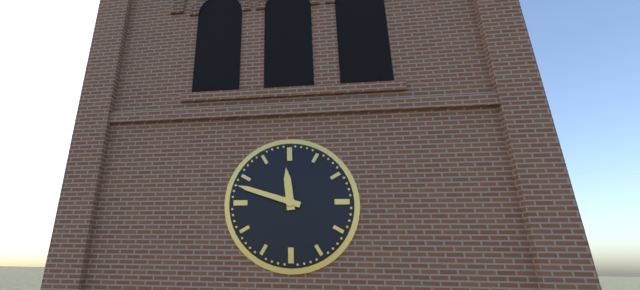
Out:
11 h 48 min
